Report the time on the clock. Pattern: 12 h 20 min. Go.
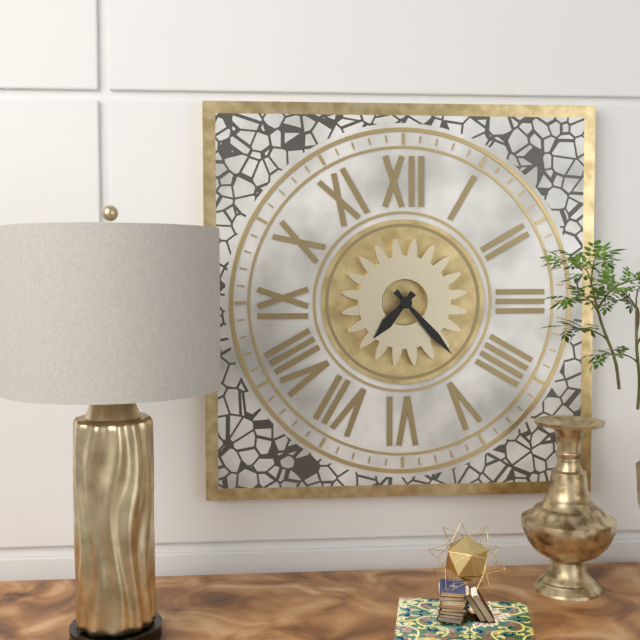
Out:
7 h 23 min
